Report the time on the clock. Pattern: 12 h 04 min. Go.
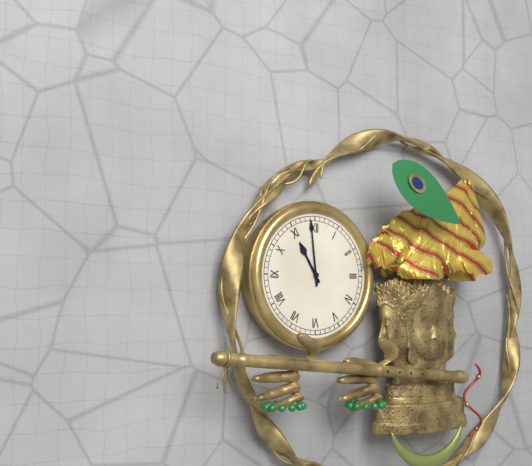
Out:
10 h 59 min
